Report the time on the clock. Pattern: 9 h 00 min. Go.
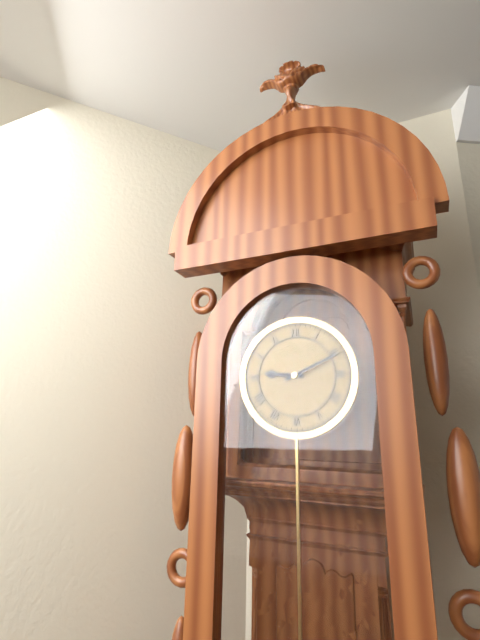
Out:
9 h 11 min
